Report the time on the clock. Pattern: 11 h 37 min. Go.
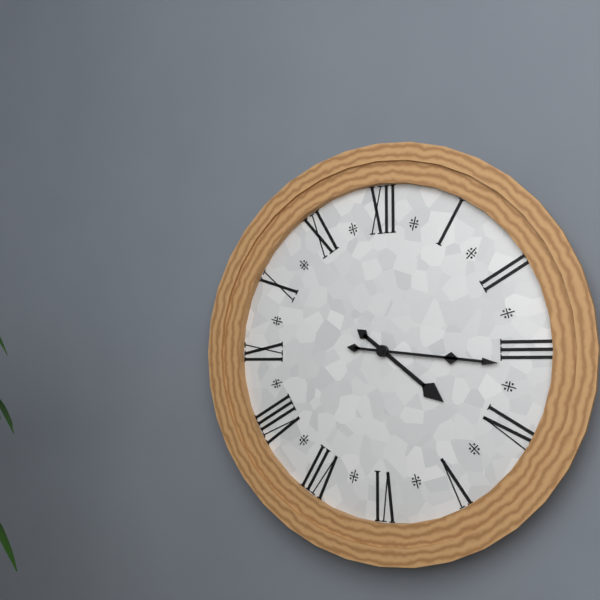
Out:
4 h 16 min
